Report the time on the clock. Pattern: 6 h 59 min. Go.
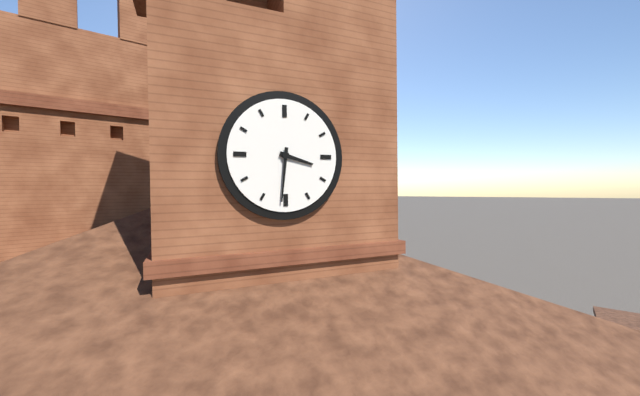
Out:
3 h 31 min
